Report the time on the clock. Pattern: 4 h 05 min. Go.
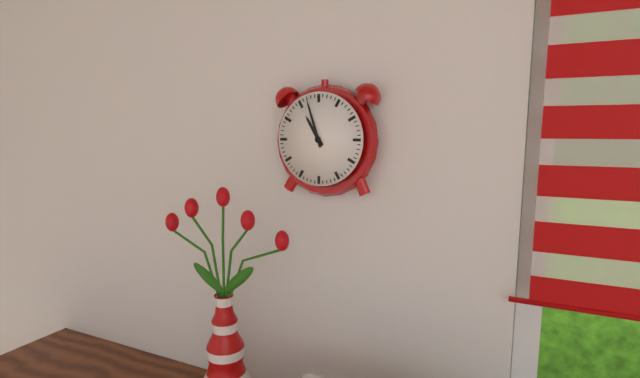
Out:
10 h 57 min
